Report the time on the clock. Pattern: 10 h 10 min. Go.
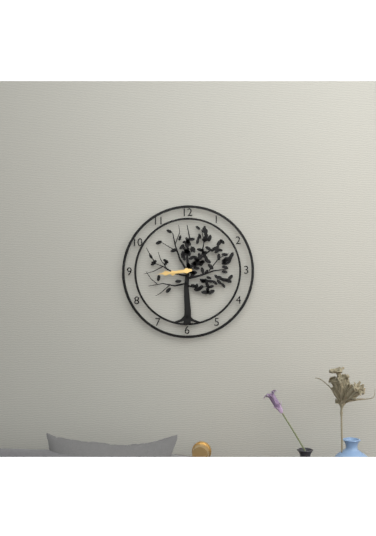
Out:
8 h 44 min
